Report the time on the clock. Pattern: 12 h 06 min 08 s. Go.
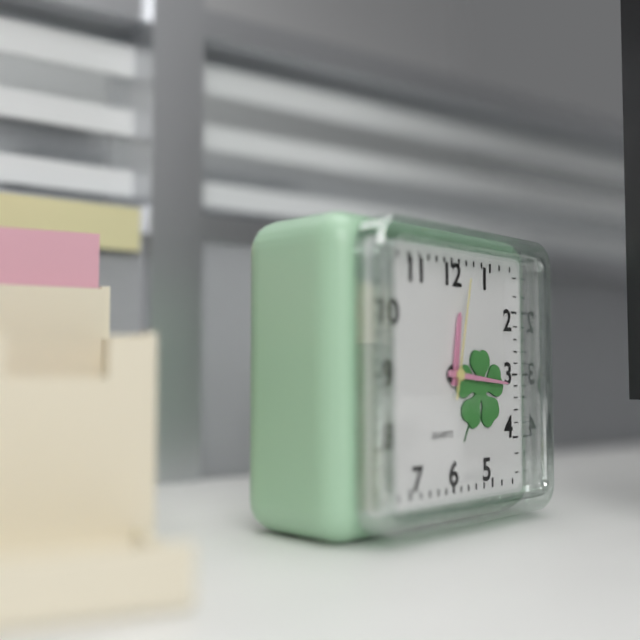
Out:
12 h 16 min 02 s
